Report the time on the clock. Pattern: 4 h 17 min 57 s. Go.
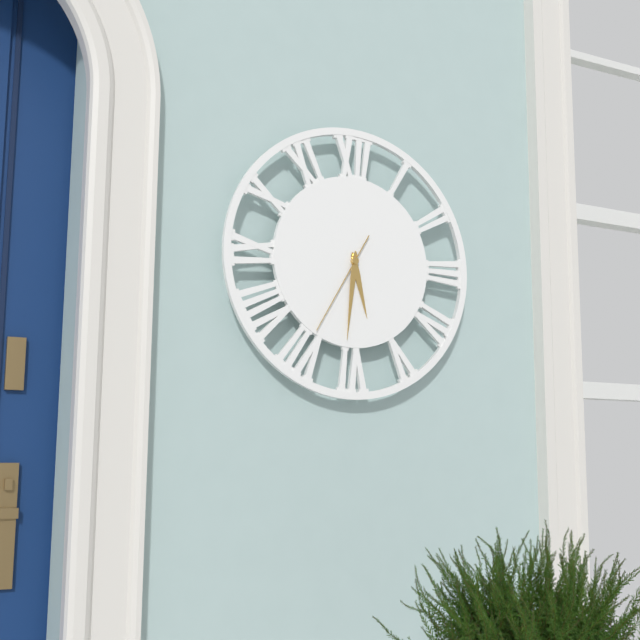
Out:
5 h 31 min 35 s
